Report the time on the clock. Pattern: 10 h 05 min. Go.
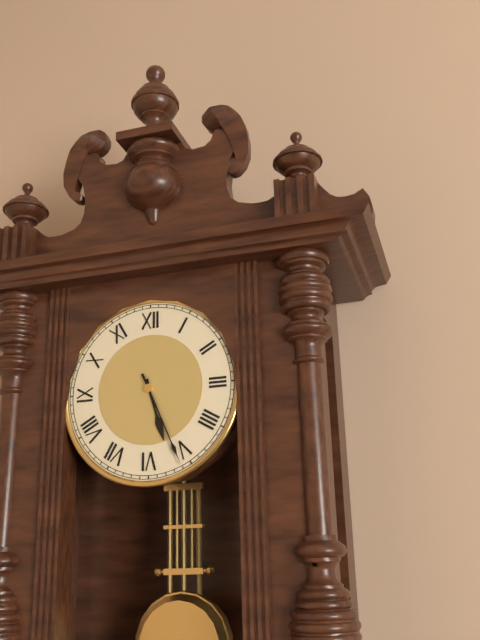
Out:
5 h 26 min
